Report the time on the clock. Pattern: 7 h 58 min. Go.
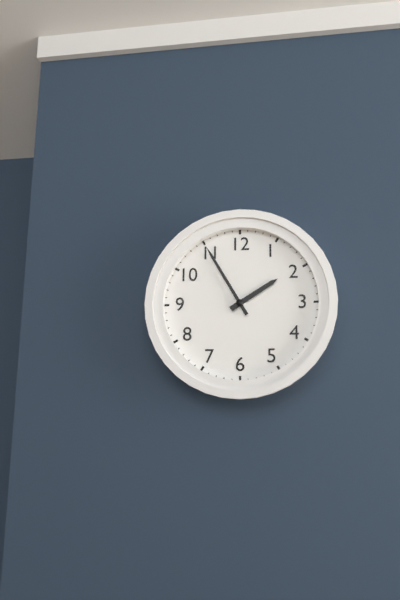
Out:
1 h 55 min
